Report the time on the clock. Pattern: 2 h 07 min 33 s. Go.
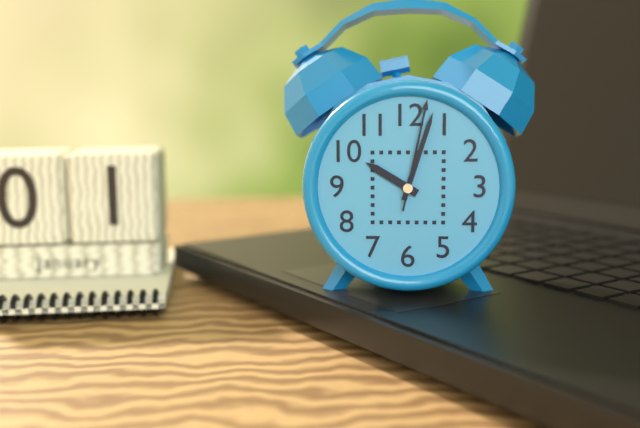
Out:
10 h 03 min 02 s
